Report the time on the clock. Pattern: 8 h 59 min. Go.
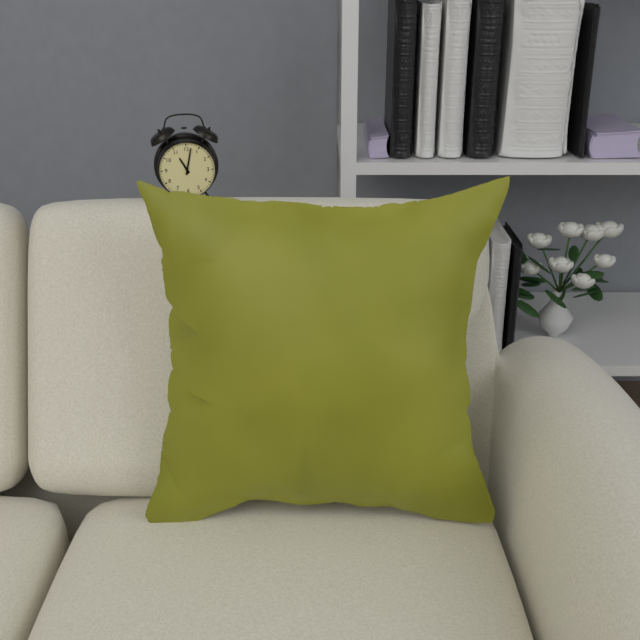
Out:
11 h 02 min
